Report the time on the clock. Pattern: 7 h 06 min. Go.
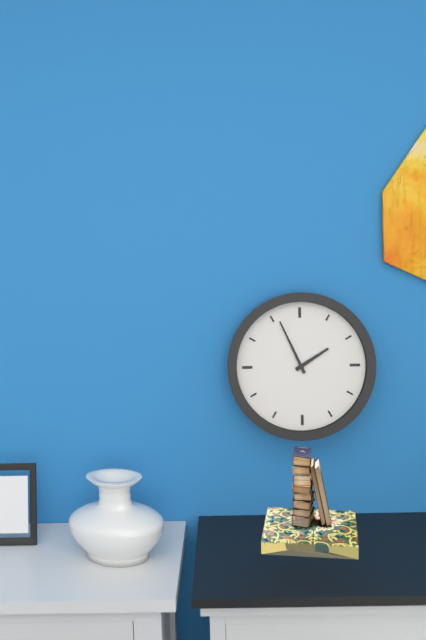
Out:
1 h 56 min
